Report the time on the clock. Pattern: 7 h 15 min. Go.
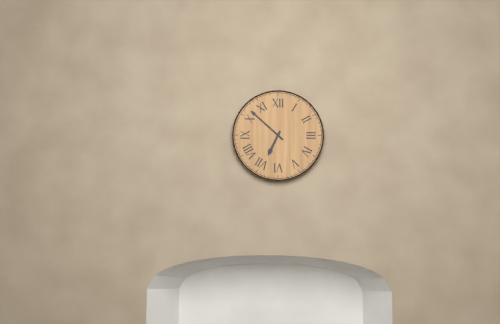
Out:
6 h 52 min
